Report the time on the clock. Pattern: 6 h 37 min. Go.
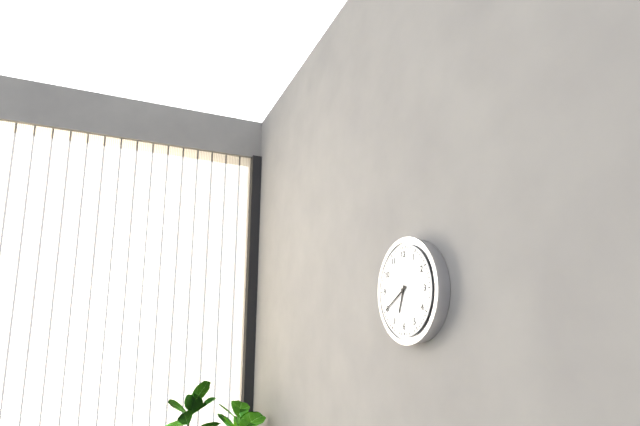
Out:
6 h 40 min
